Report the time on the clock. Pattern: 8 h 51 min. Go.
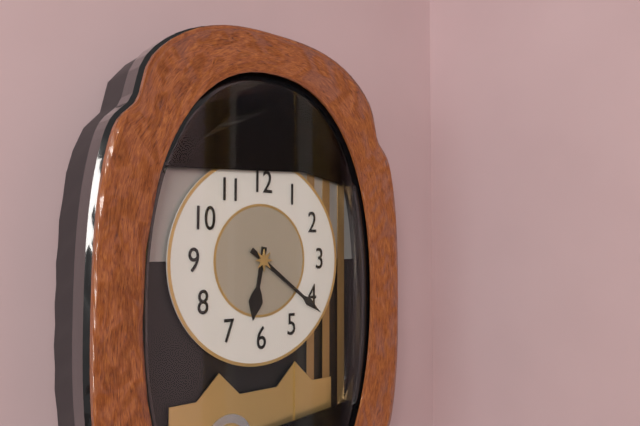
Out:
6 h 21 min
